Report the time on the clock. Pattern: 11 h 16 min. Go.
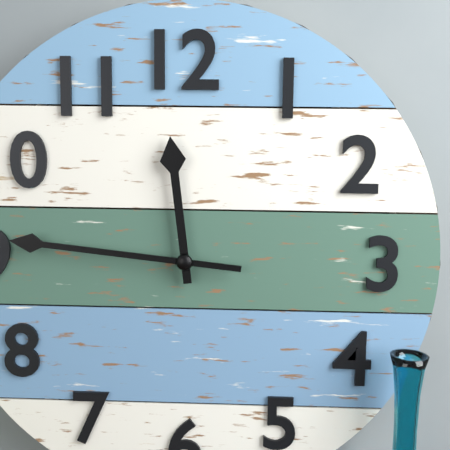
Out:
11 h 46 min
